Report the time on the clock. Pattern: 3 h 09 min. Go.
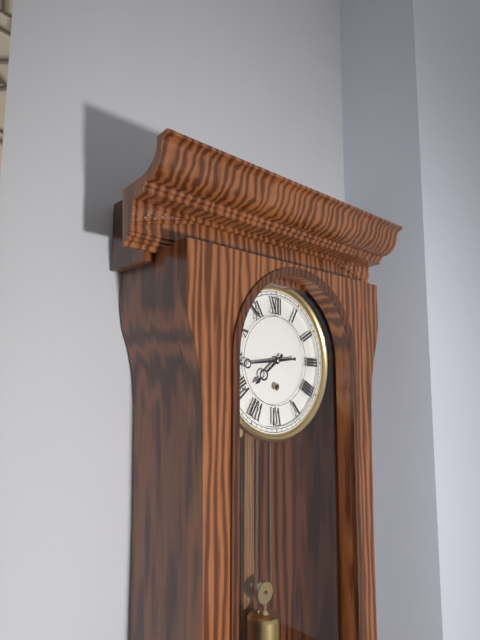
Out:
7 h 44 min
